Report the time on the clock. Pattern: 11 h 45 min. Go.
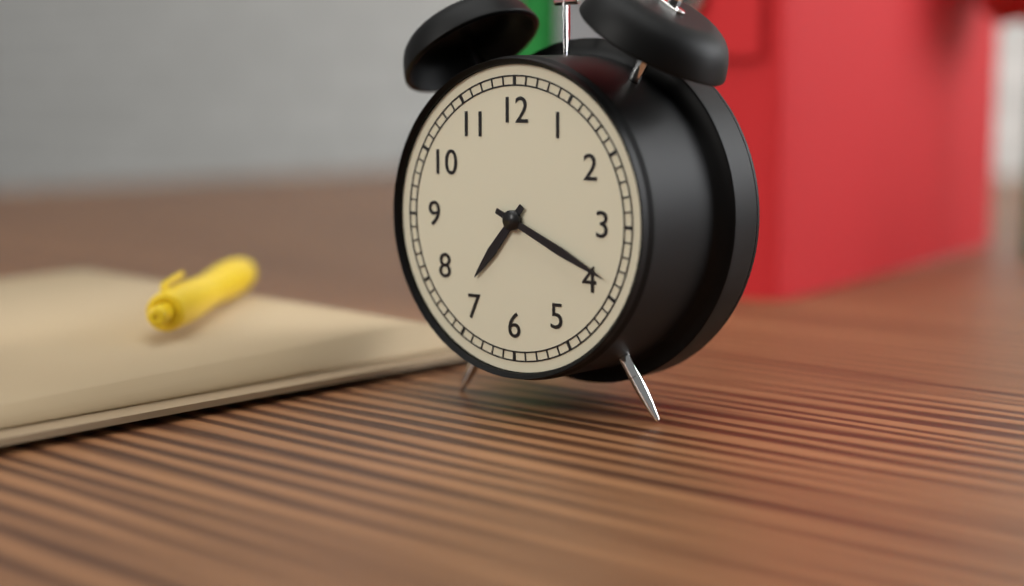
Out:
7 h 19 min
